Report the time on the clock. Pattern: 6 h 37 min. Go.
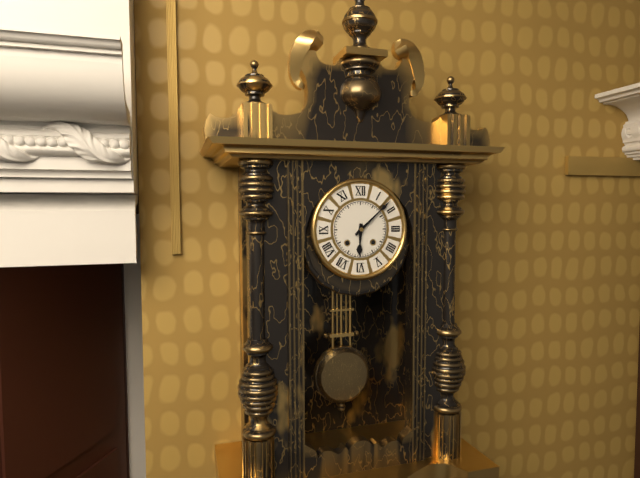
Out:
6 h 08 min
